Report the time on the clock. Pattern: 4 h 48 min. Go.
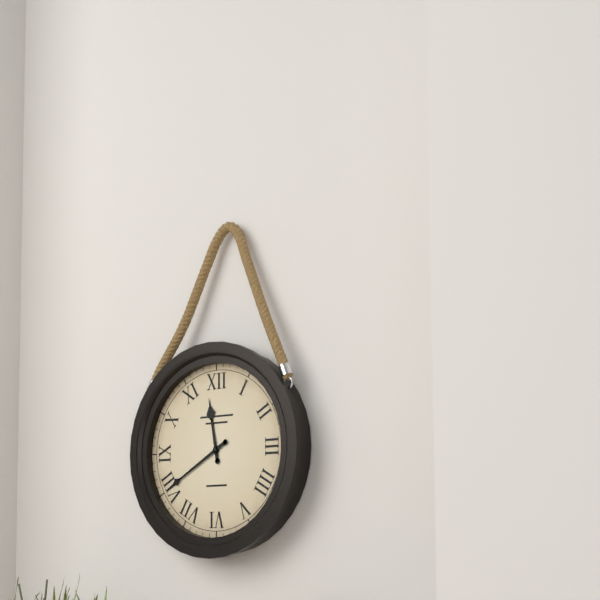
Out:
11 h 40 min
